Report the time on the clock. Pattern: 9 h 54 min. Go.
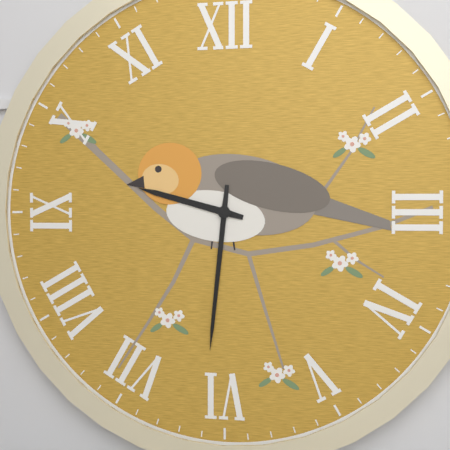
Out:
9 h 31 min
